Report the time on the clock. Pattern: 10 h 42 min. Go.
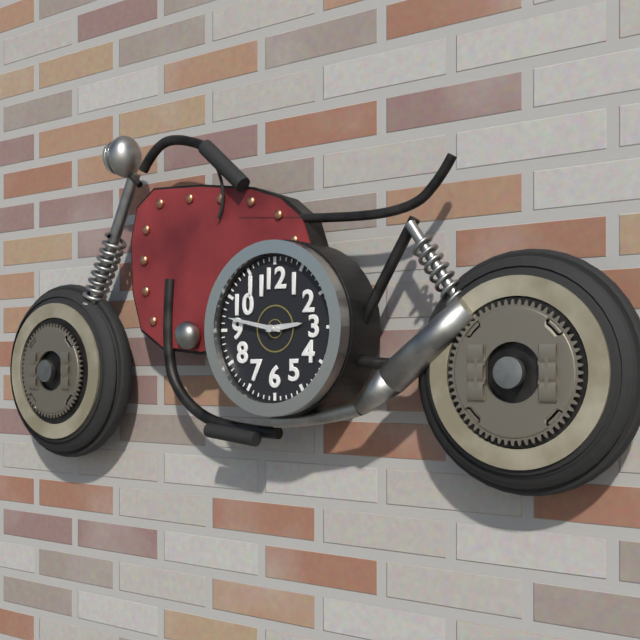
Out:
2 h 47 min
